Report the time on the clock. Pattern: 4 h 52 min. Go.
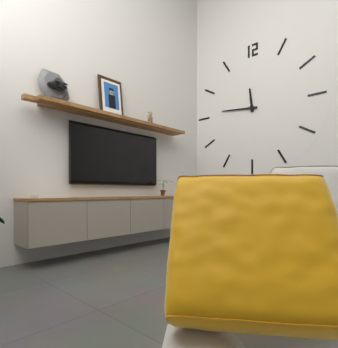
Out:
11 h 46 min
